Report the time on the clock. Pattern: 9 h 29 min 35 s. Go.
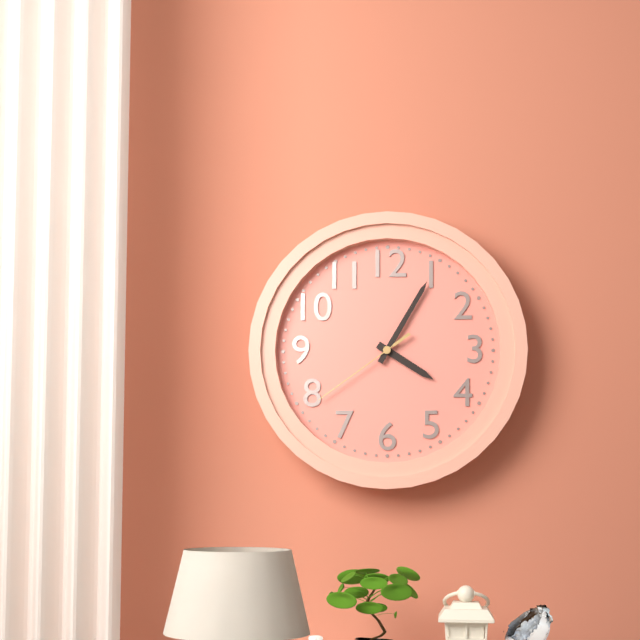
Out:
4 h 05 min 39 s
